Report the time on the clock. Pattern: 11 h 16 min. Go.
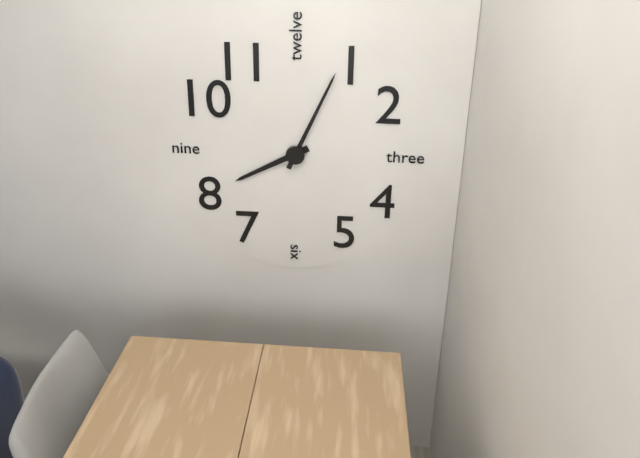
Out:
8 h 04 min
